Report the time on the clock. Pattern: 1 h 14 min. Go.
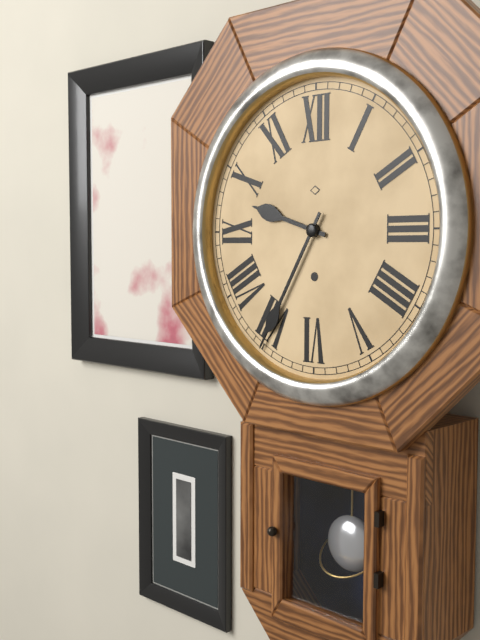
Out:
9 h 35 min
